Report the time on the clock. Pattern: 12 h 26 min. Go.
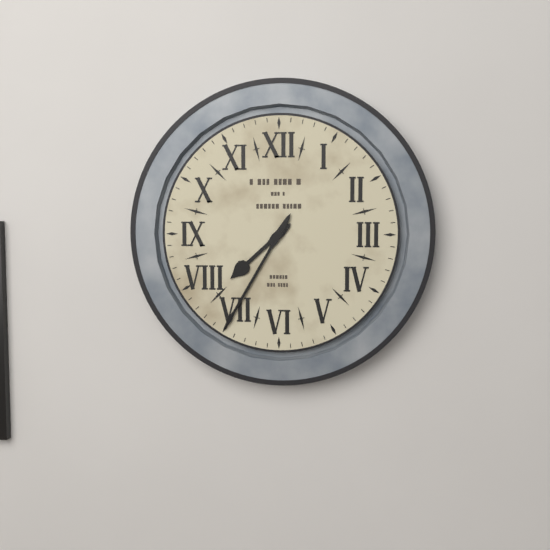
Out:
7 h 35 min
